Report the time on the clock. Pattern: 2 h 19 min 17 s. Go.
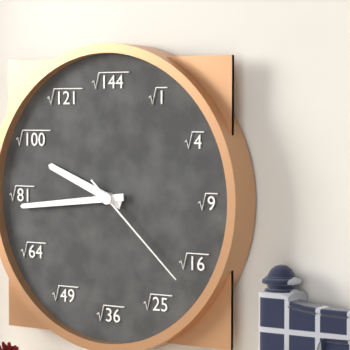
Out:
9 h 44 min 22 s
